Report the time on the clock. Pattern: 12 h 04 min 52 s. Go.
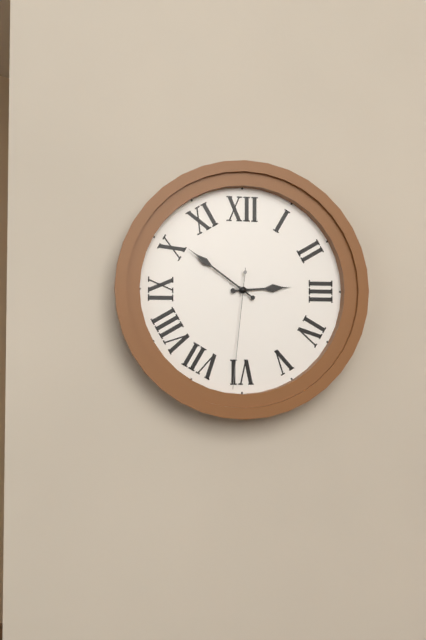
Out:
2 h 51 min 31 s
